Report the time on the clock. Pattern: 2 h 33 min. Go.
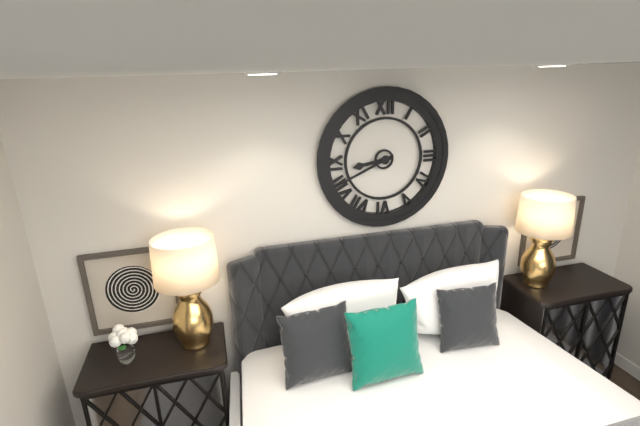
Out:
8 h 41 min
